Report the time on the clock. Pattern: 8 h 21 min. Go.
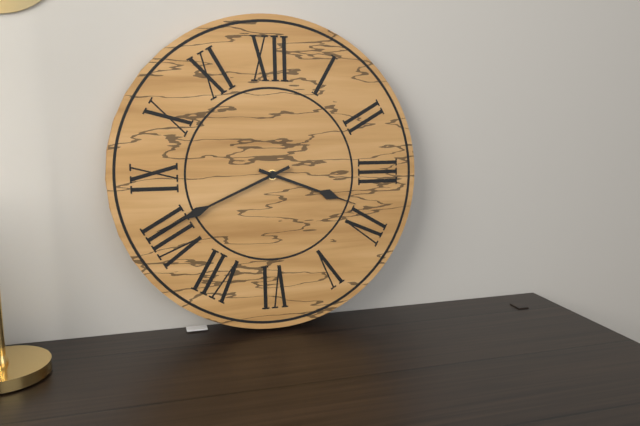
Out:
3 h 41 min
